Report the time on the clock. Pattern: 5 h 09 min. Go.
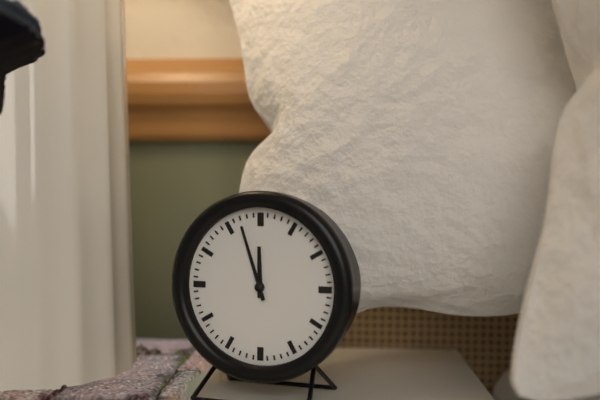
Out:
11 h 57 min
